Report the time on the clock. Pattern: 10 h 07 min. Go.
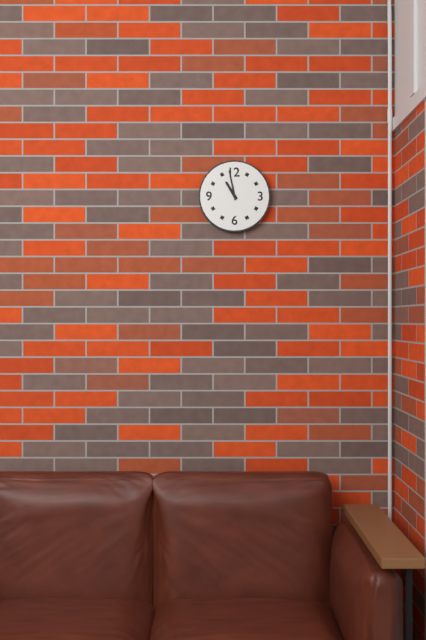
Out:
10 h 58 min
